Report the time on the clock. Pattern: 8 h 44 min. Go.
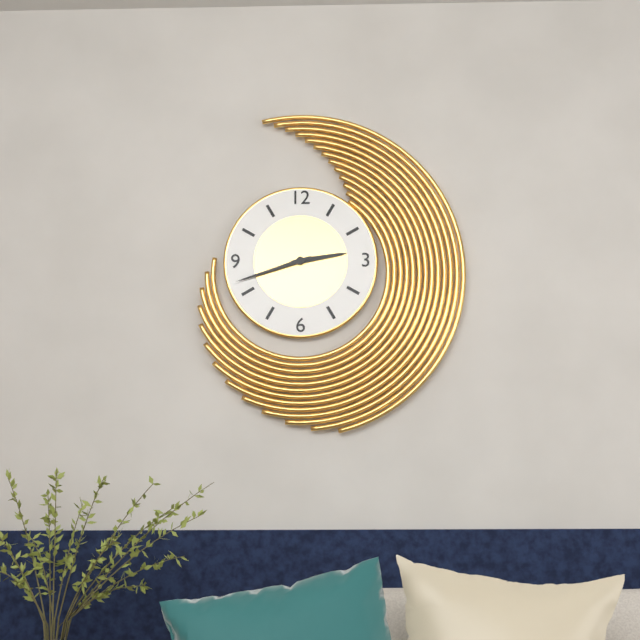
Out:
2 h 42 min
